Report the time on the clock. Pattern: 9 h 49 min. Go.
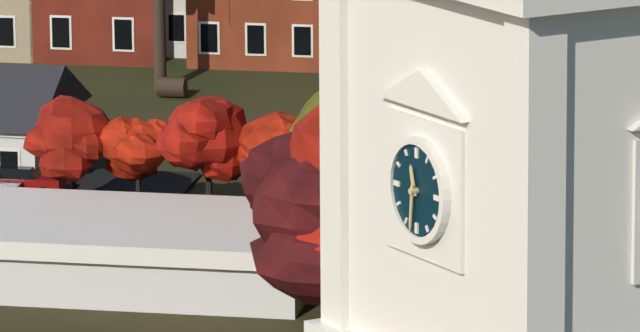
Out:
11 h 31 min
